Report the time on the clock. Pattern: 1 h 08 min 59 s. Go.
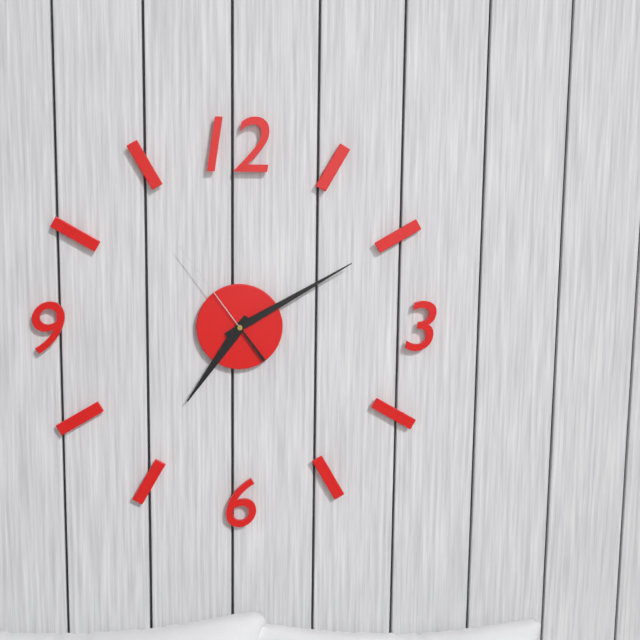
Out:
7 h 10 min 54 s
